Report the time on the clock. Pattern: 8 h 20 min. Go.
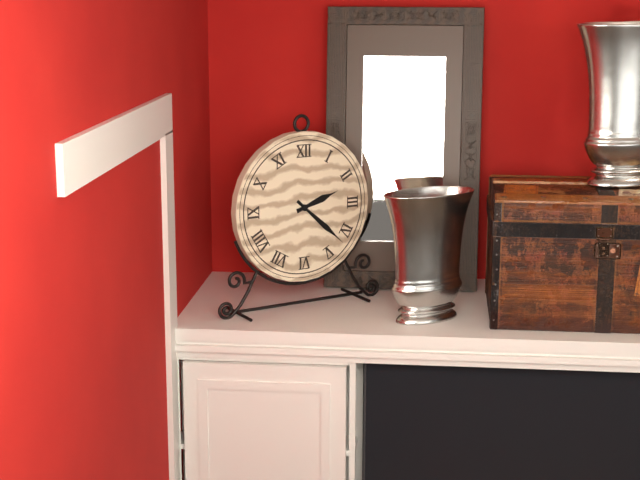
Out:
2 h 22 min
